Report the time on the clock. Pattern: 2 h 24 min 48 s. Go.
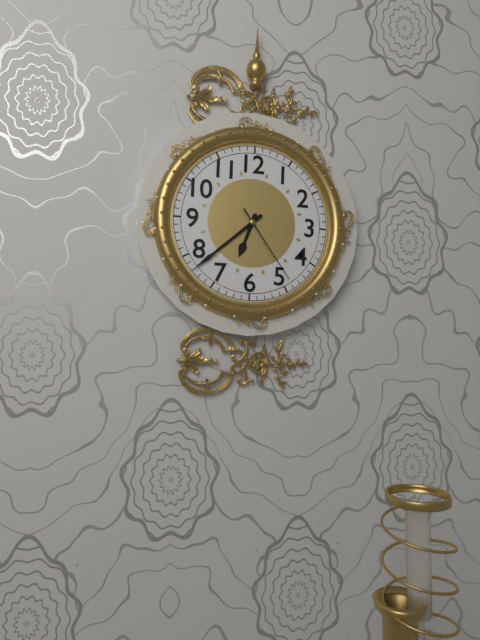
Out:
6 h 38 min 24 s
